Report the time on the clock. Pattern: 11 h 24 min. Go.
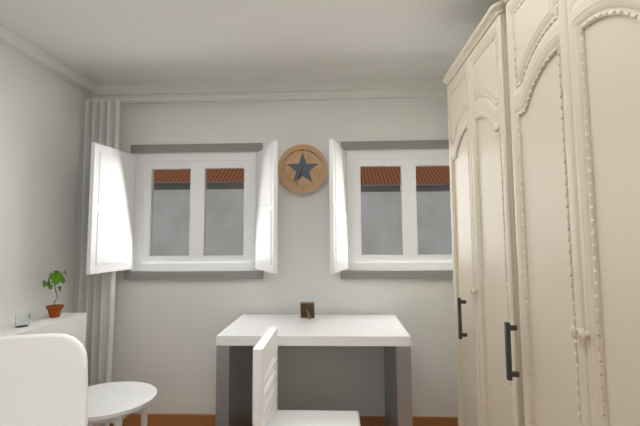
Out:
6 h 34 min
